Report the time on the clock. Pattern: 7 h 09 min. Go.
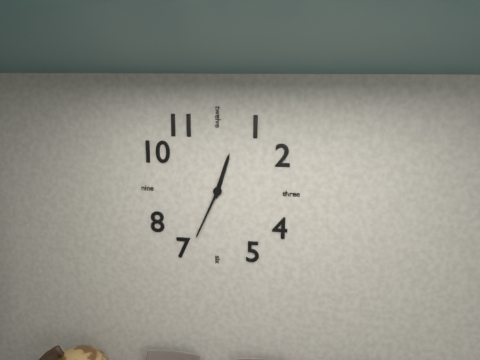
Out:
12 h 34 min
